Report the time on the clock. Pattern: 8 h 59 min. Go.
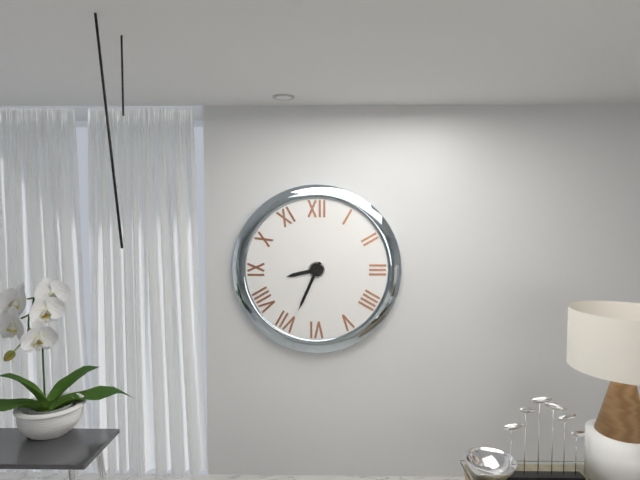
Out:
8 h 34 min
